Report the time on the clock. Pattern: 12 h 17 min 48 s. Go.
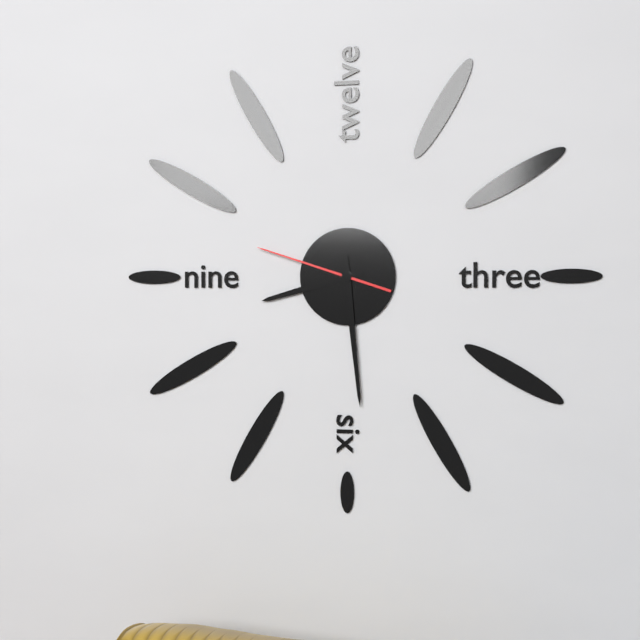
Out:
8 h 29 min 48 s
